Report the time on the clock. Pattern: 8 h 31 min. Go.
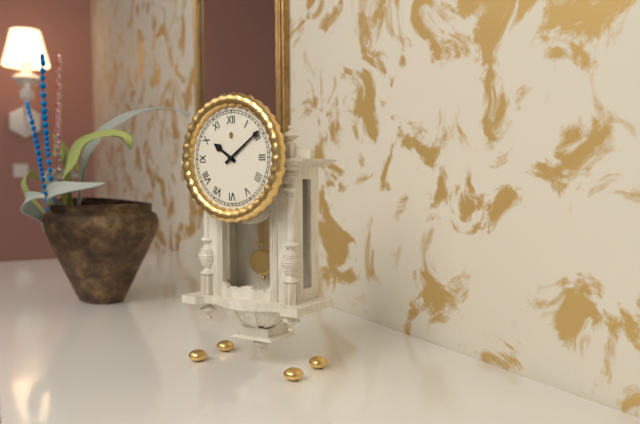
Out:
10 h 09 min
